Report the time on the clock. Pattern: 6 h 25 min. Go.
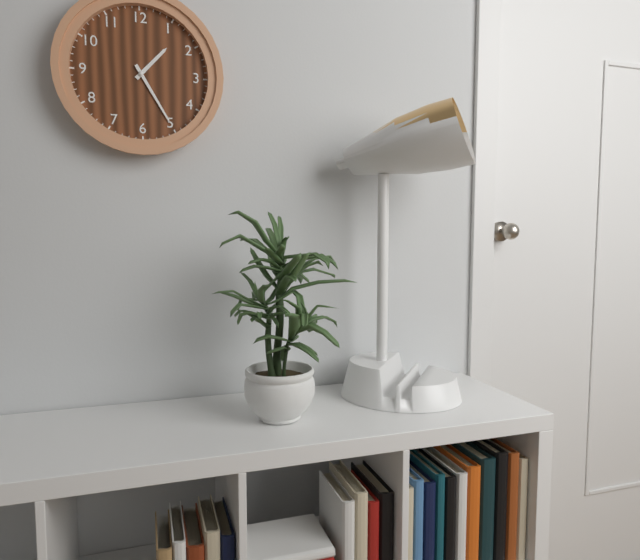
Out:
1 h 25 min
